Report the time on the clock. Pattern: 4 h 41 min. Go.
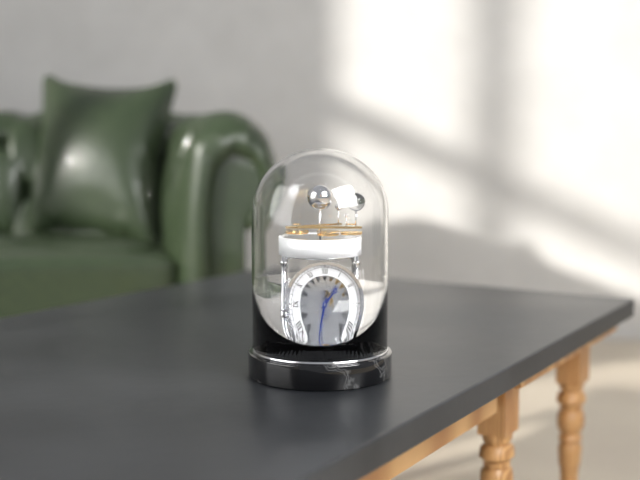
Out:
1 h 33 min
